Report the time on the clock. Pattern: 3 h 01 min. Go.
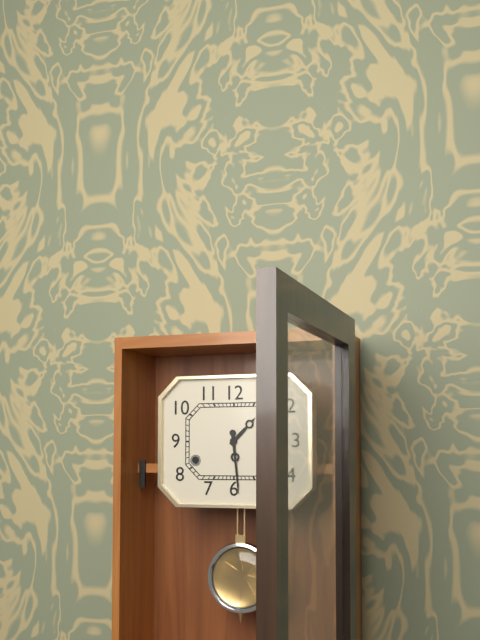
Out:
1 h 29 min
